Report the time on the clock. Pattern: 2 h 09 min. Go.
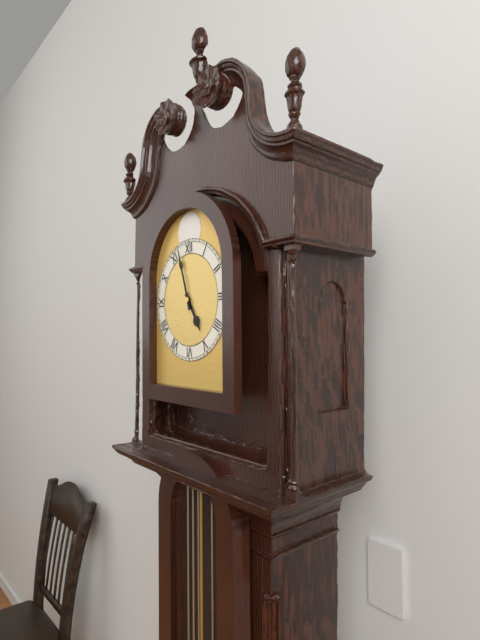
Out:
4 h 57 min
